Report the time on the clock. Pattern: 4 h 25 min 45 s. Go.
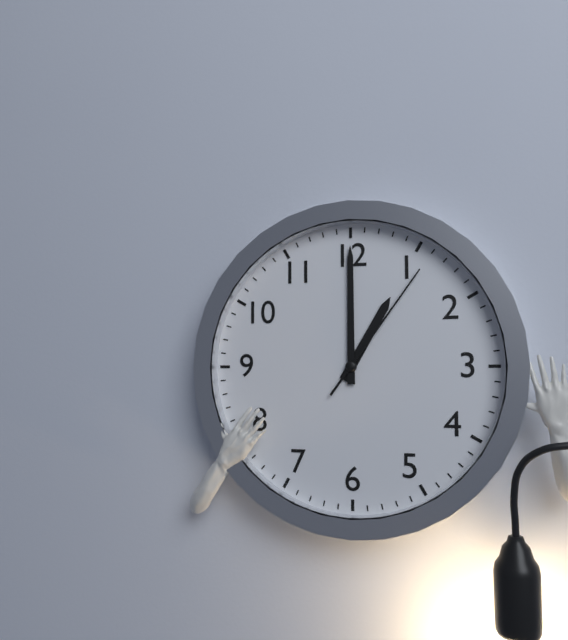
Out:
1 h 00 min 06 s
